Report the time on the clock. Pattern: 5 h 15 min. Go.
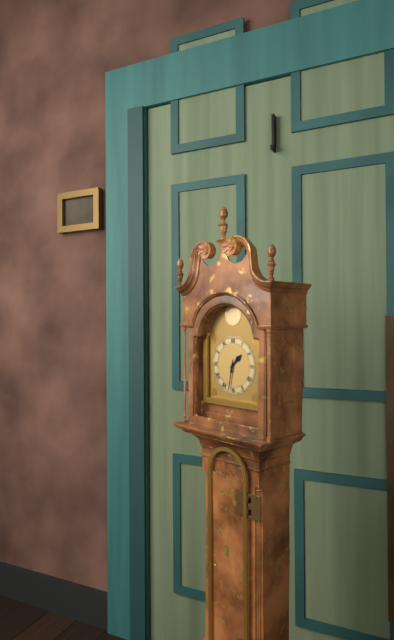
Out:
1 h 32 min
